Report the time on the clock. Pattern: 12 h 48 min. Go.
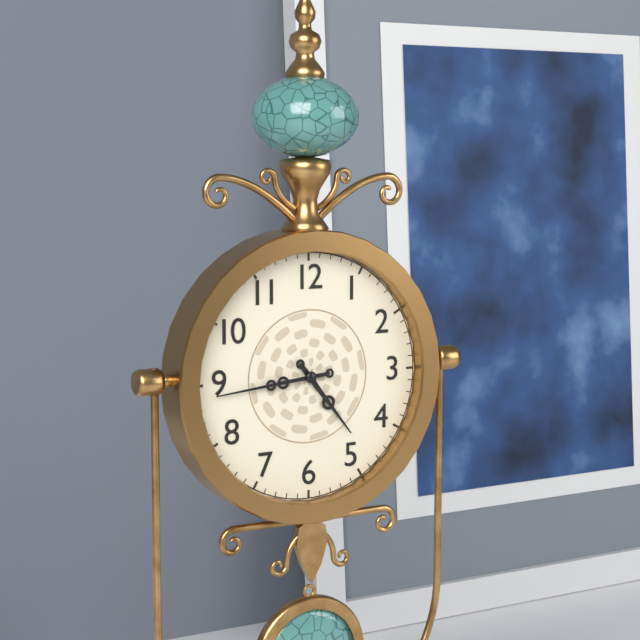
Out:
4 h 44 min
